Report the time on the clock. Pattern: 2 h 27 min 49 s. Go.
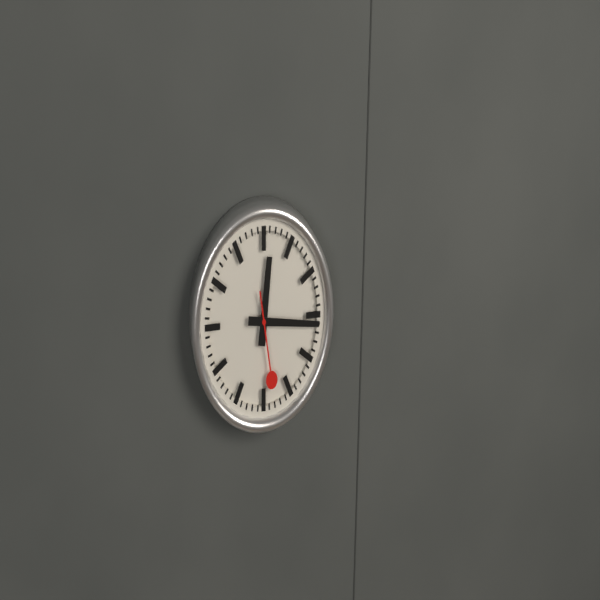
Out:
12 h 16 min 28 s
